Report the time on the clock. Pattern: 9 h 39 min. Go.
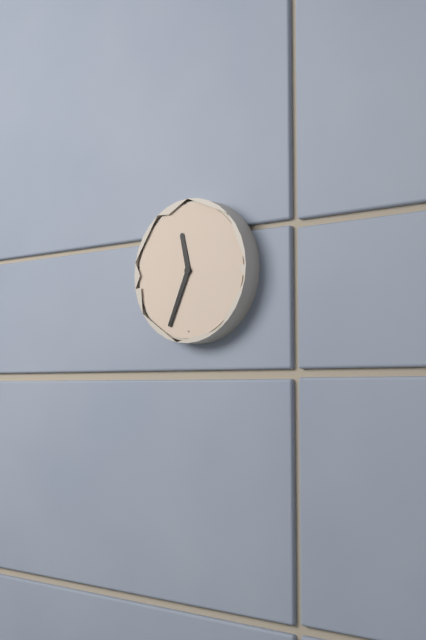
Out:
11 h 34 min
